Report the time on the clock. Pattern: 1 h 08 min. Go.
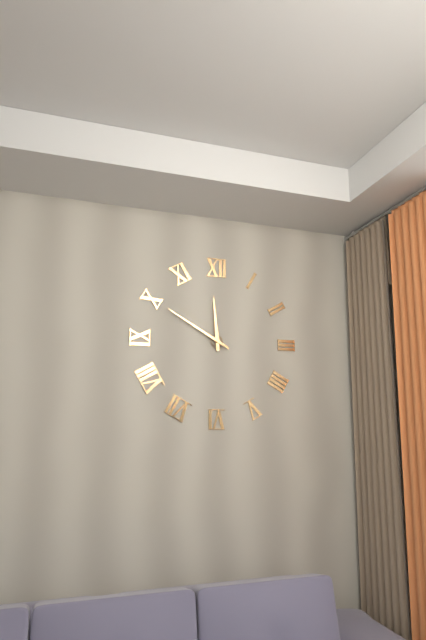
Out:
11 h 50 min
